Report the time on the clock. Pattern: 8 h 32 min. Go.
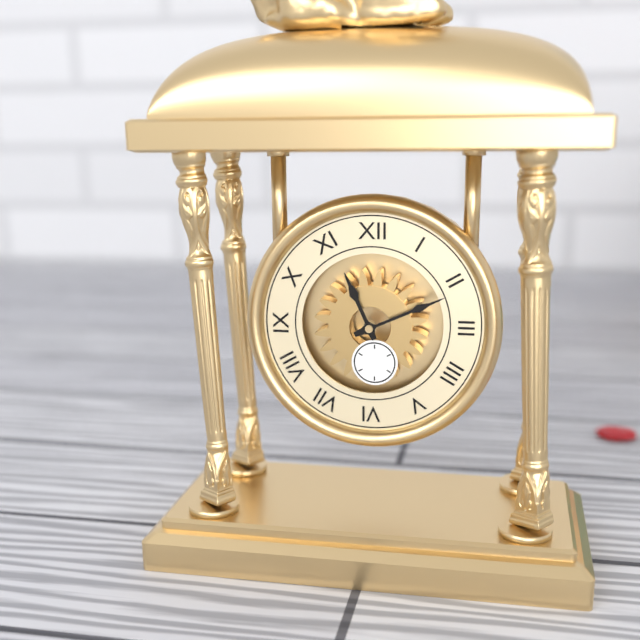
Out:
11 h 11 min
